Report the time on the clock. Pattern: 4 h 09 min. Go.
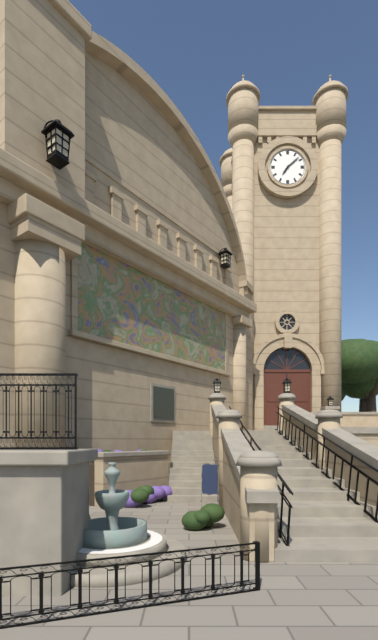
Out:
7 h 08 min
